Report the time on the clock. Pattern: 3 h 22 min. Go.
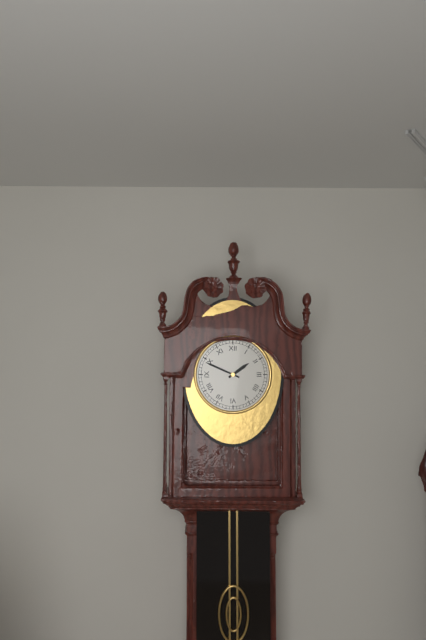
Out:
1 h 49 min
